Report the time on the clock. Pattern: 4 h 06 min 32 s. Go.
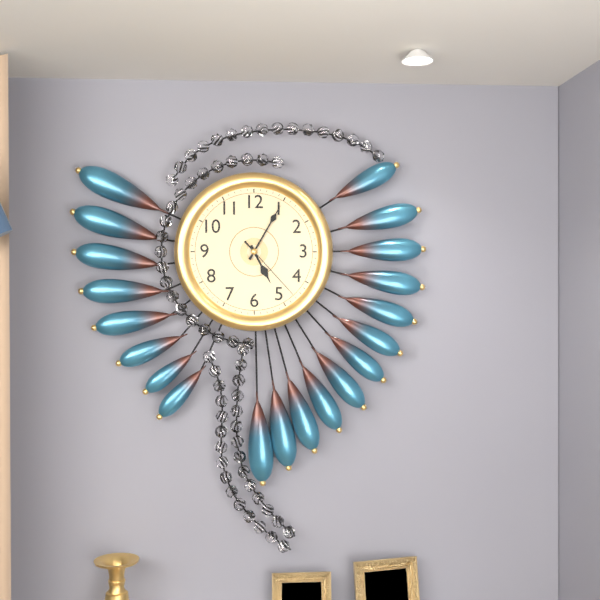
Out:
5 h 05 min 23 s
